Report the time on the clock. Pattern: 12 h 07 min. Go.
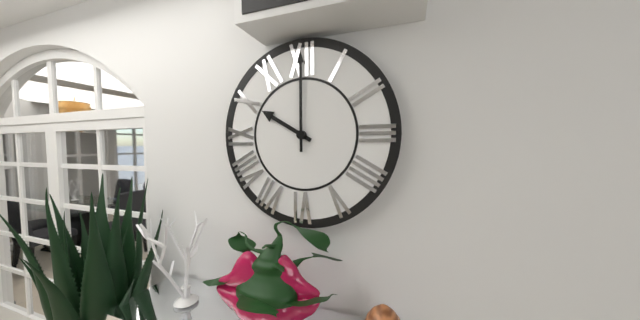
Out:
10 h 00 min
